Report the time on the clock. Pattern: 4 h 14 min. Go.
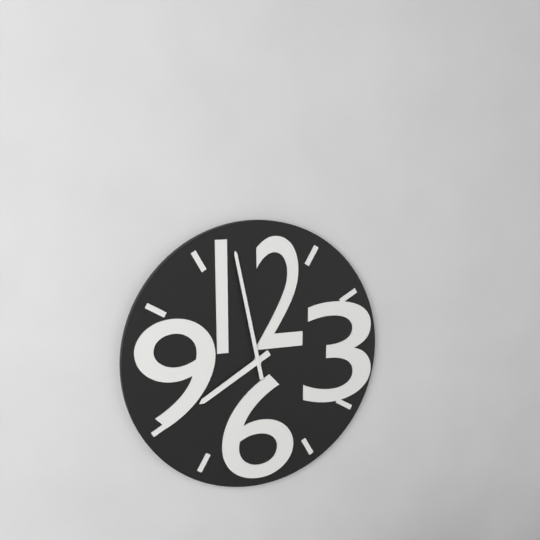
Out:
7 h 58 min
